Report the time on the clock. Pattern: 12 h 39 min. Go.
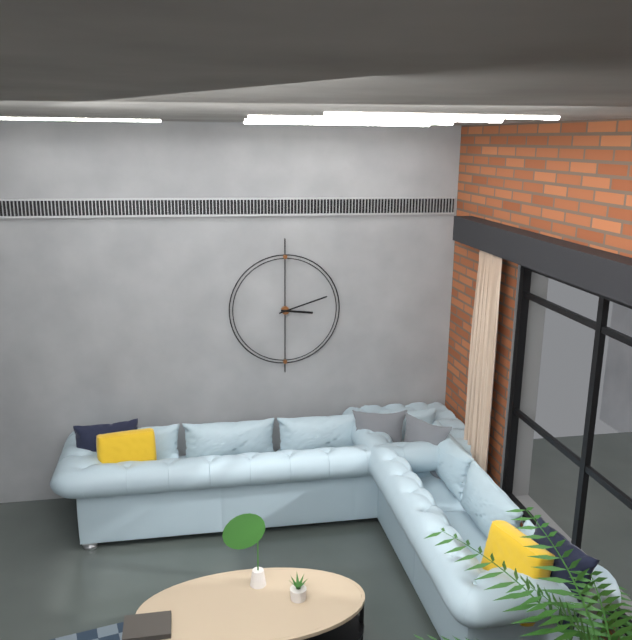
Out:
3 h 12 min
